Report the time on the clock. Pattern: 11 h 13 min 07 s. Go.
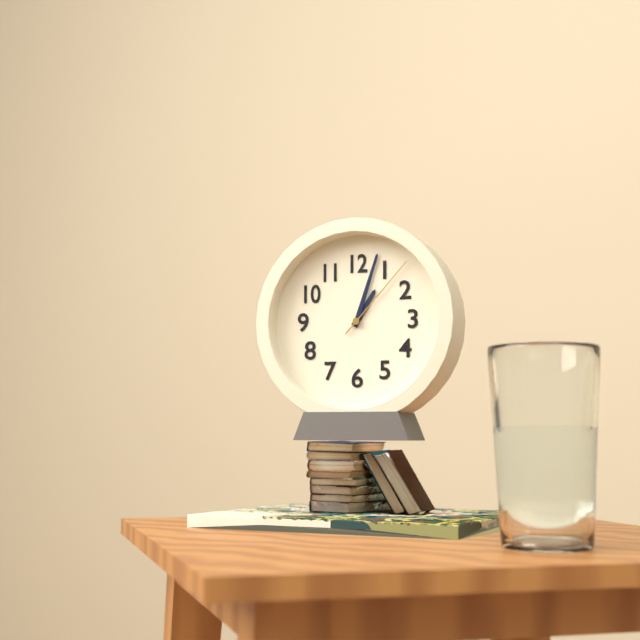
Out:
1 h 03 min 07 s
